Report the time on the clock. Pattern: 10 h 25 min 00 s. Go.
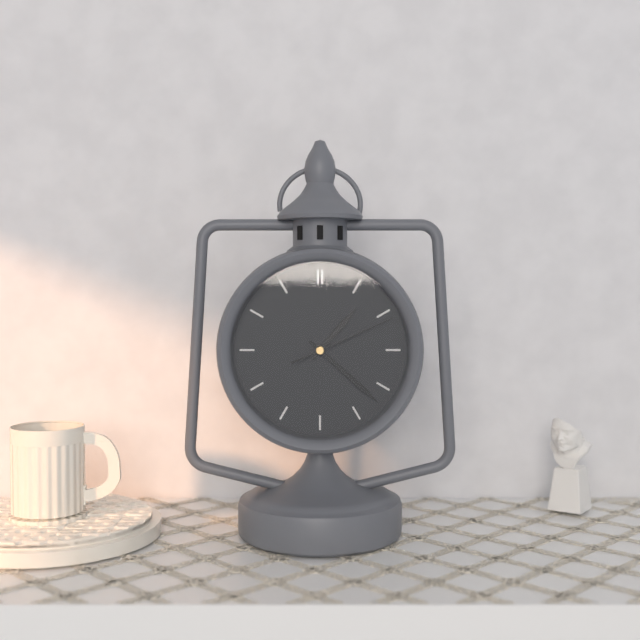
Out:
1 h 22 min 11 s
